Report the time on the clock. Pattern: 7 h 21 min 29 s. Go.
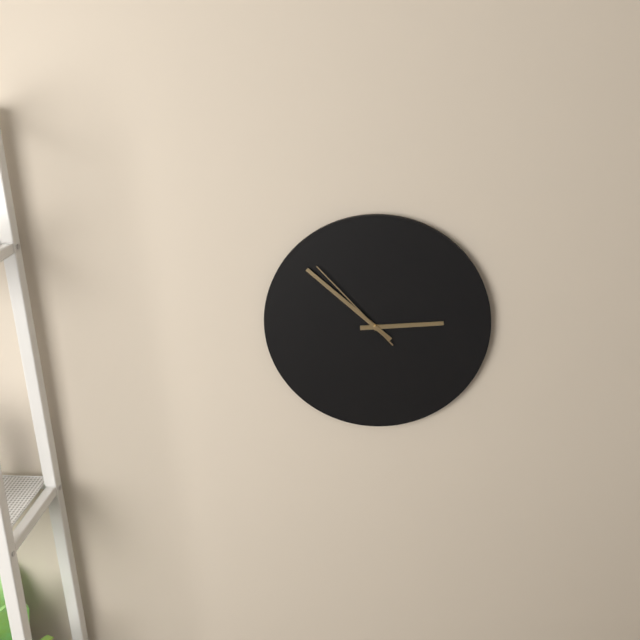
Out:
2 h 52 min 53 s
